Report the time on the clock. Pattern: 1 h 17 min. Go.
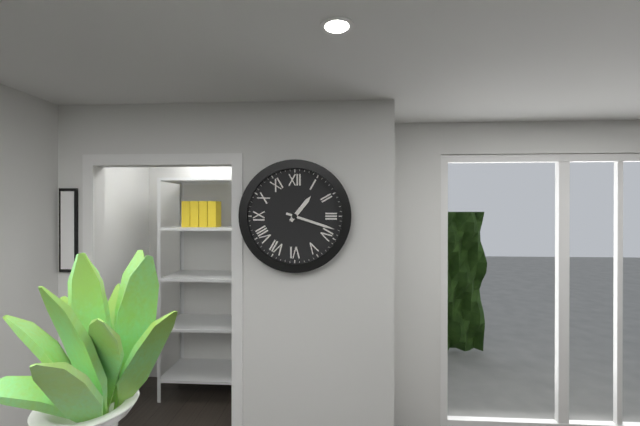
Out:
1 h 18 min
